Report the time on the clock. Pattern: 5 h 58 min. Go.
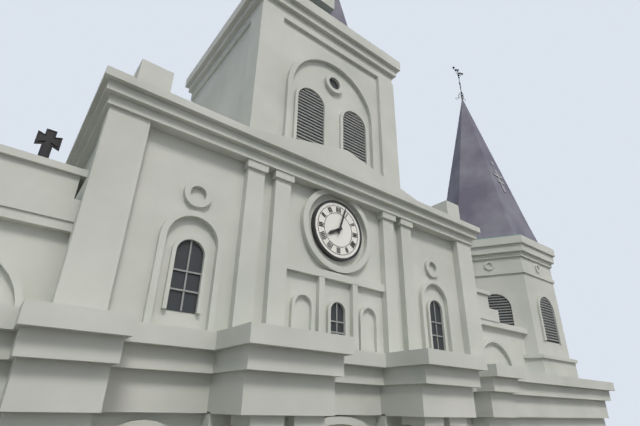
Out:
8 h 03 min
